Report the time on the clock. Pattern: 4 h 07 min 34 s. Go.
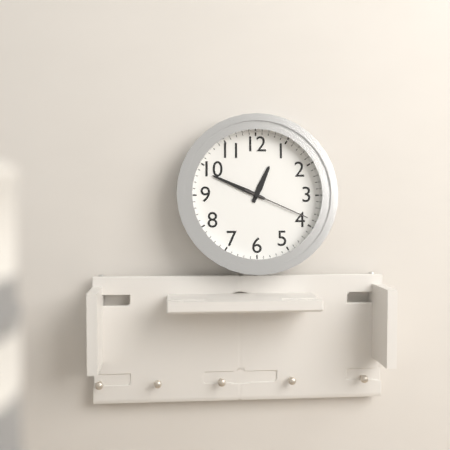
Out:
12 h 49 min 19 s
